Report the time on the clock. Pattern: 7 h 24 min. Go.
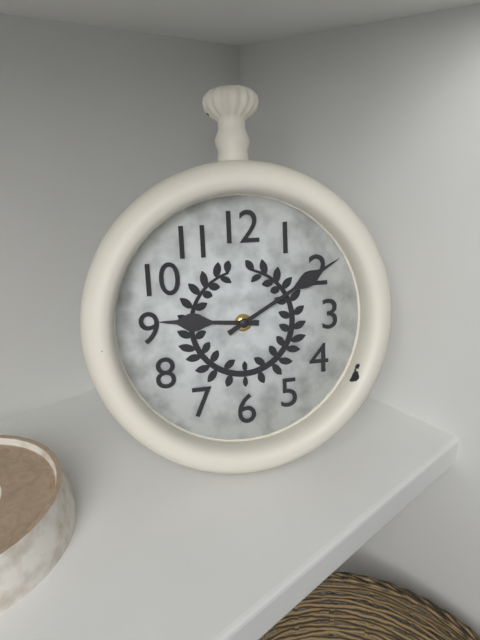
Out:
9 h 10 min
